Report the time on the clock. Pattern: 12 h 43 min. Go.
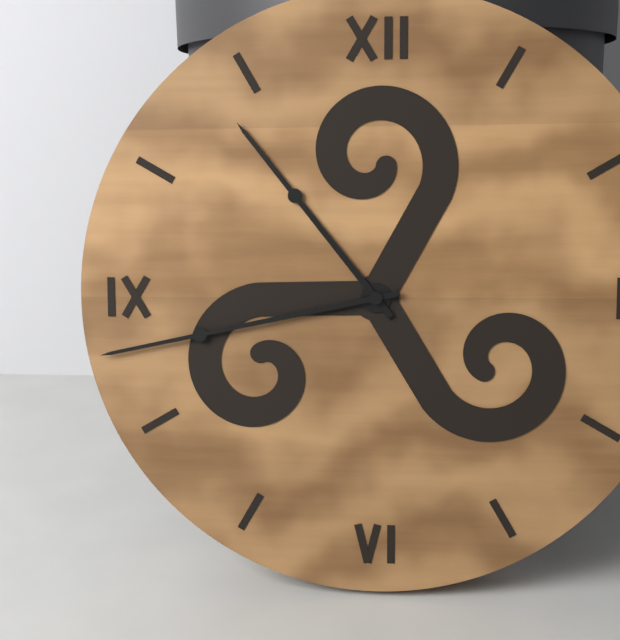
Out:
10 h 43 min
